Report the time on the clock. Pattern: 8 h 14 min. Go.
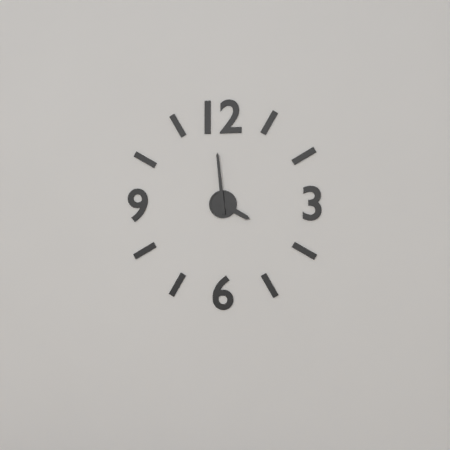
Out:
3 h 59 min
